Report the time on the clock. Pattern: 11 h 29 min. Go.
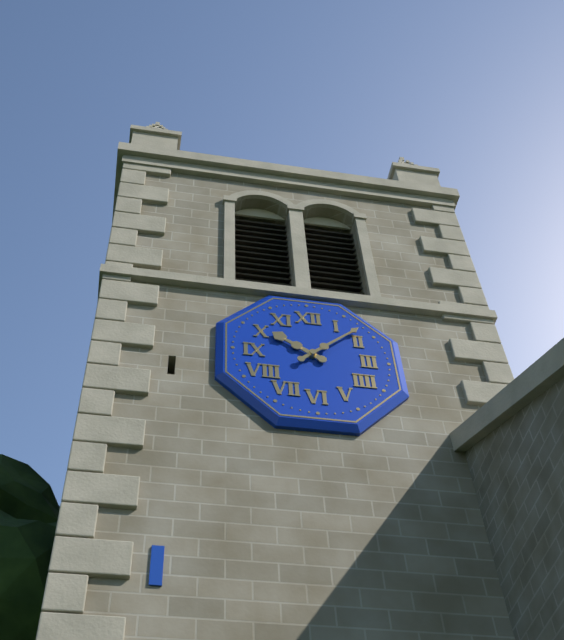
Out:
10 h 08 min
